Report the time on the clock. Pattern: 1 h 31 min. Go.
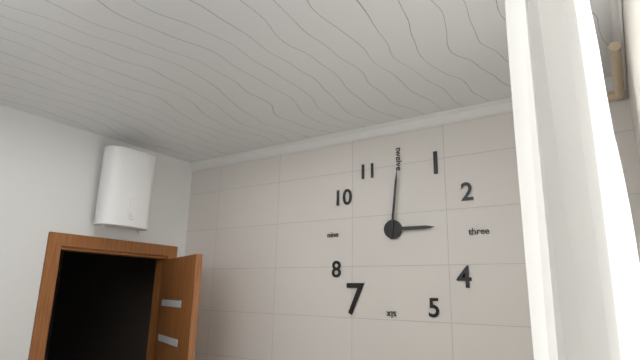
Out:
3 h 01 min
